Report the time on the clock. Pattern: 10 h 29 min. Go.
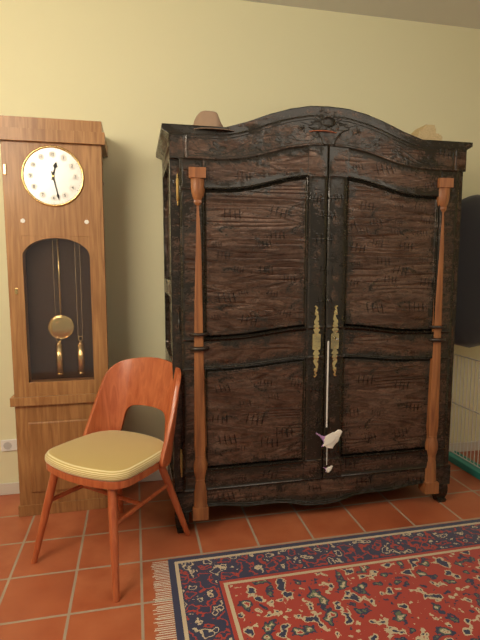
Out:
12 h 28 min
